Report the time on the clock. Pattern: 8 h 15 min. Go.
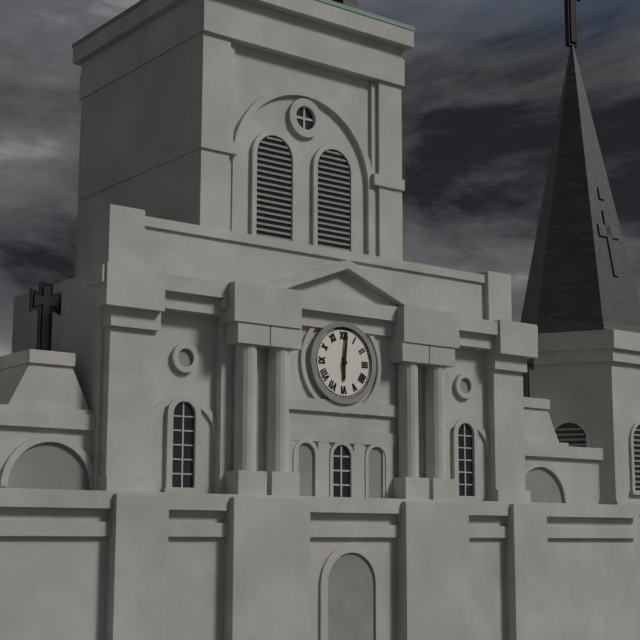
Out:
6 h 01 min
